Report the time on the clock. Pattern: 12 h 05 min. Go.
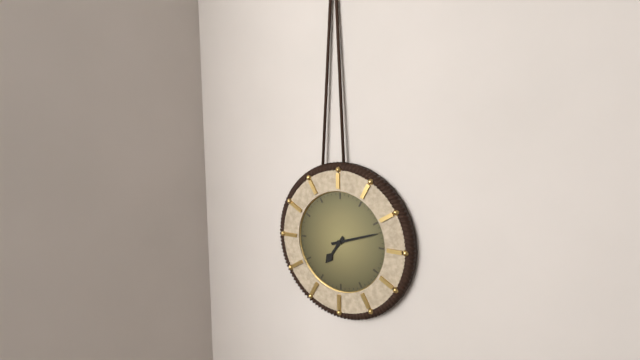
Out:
7 h 12 min
